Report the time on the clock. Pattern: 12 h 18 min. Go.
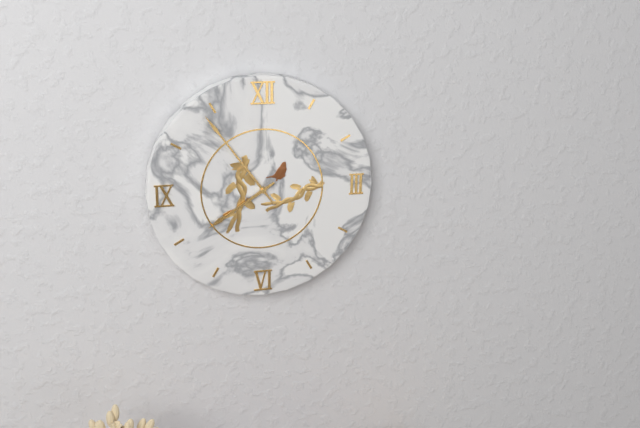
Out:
7 h 54 min
